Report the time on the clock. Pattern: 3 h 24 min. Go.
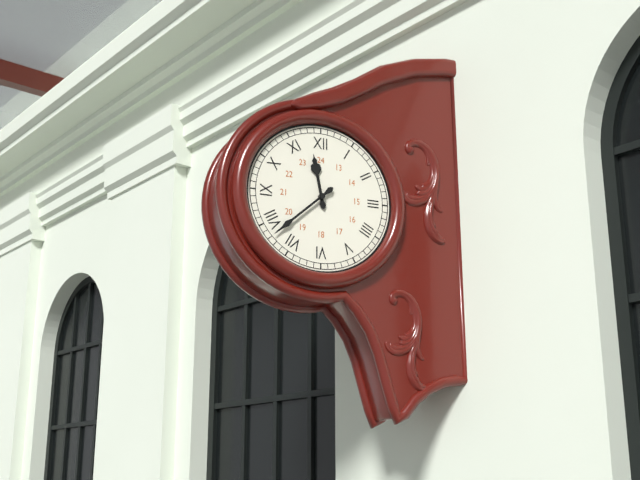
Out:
11 h 38 min
